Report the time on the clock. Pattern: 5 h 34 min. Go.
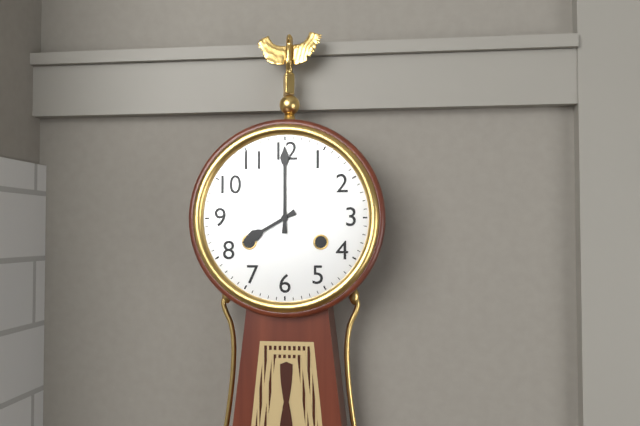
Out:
8 h 00 min
